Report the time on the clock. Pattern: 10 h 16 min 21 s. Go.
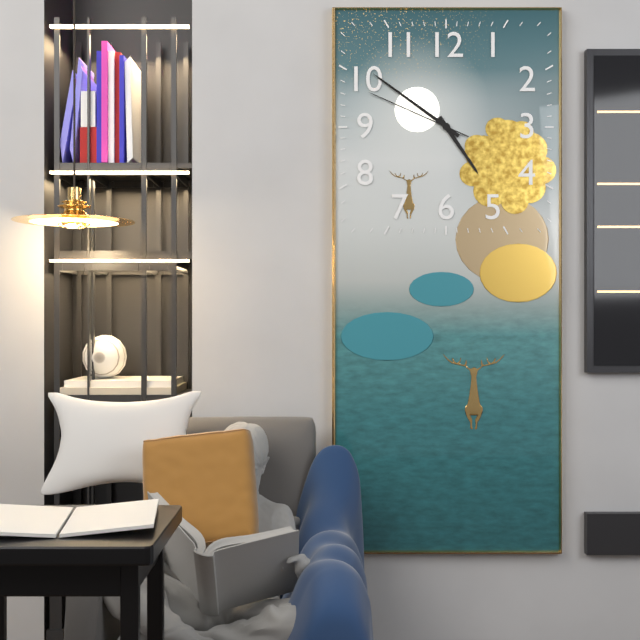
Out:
4 h 51 min 49 s
